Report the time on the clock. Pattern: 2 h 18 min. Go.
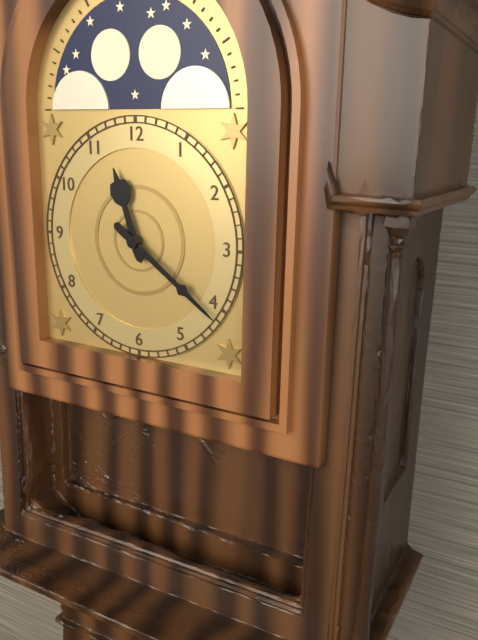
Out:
11 h 21 min
